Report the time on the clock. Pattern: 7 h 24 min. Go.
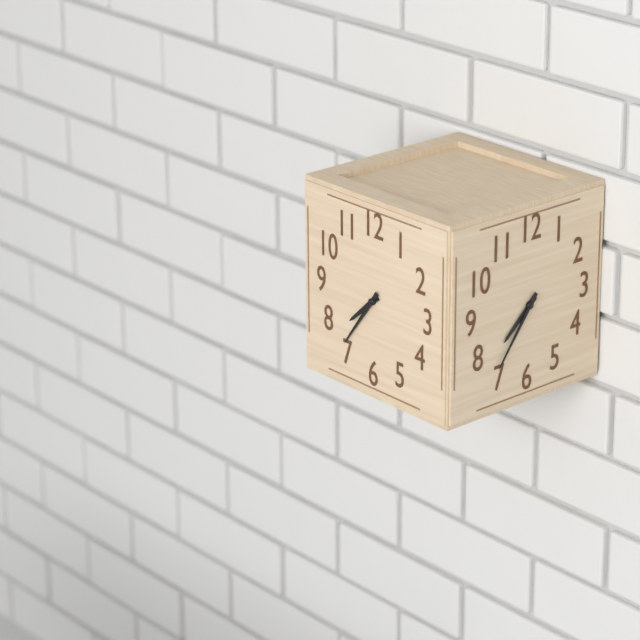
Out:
7 h 36 min
